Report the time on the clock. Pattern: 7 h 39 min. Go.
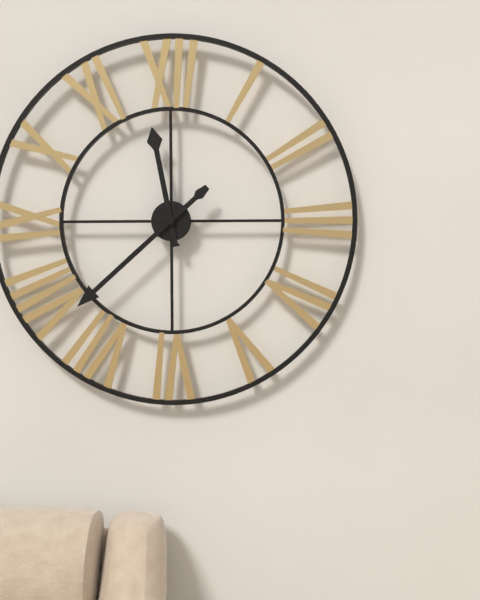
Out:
11 h 38 min
